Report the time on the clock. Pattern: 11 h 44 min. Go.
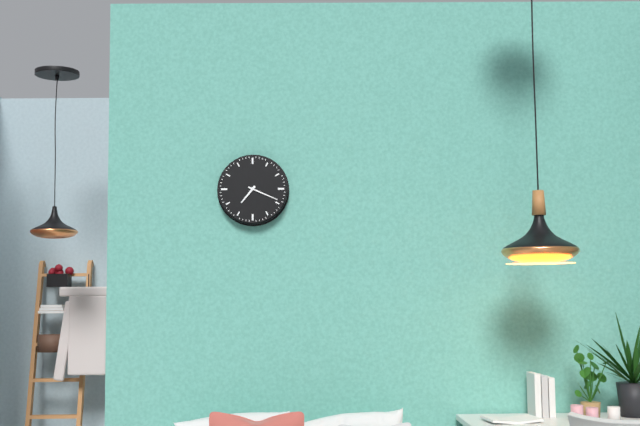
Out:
7 h 19 min
